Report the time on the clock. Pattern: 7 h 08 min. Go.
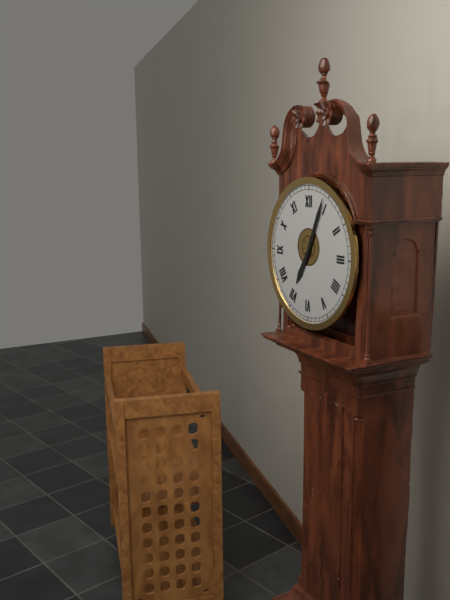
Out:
7 h 04 min
